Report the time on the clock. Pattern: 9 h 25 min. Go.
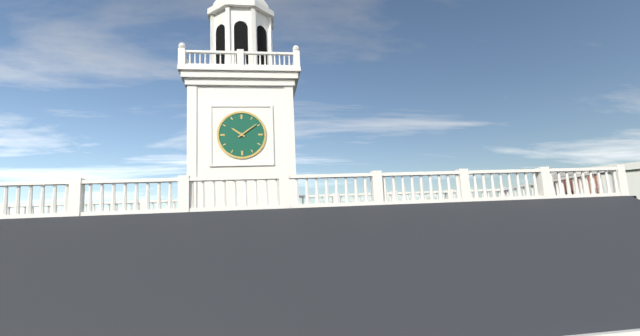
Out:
10 h 09 min
